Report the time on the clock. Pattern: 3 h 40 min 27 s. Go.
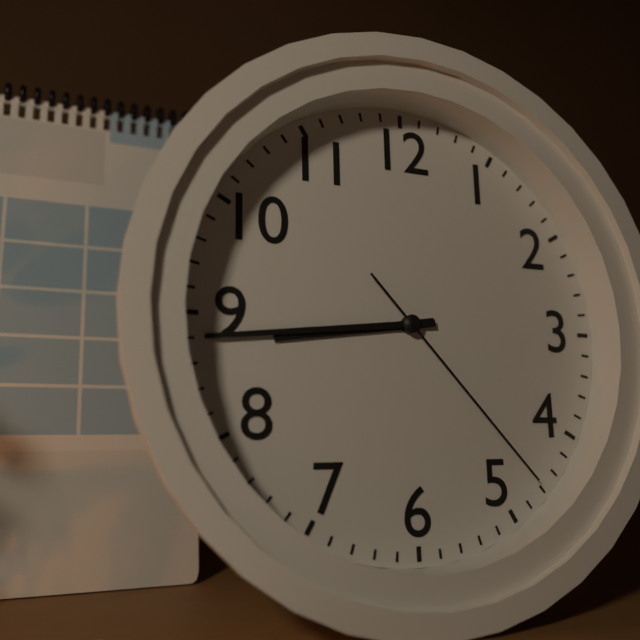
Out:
8 h 44 min 23 s
